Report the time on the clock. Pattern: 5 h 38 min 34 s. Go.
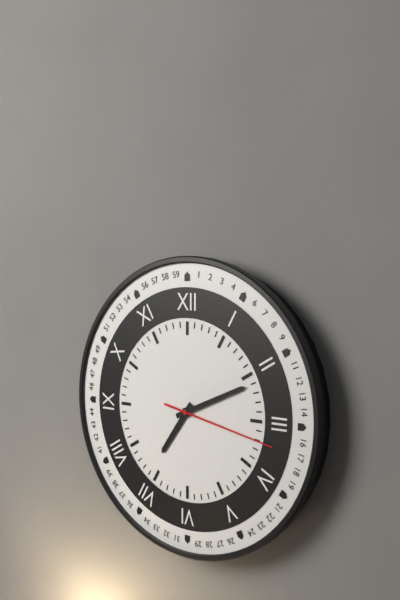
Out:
7 h 11 min 17 s
